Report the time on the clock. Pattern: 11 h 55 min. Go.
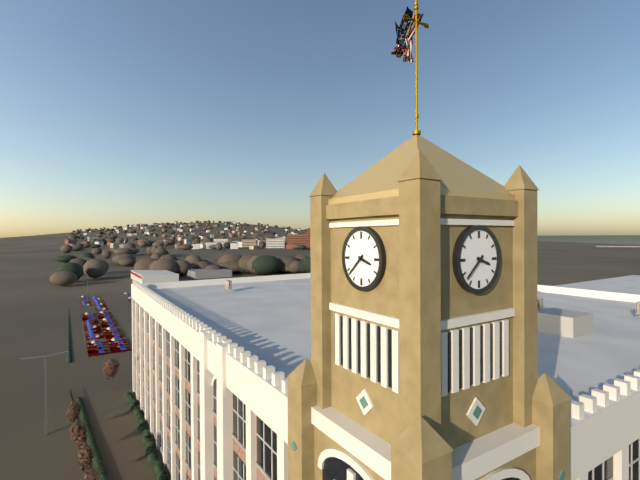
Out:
3 h 38 min
